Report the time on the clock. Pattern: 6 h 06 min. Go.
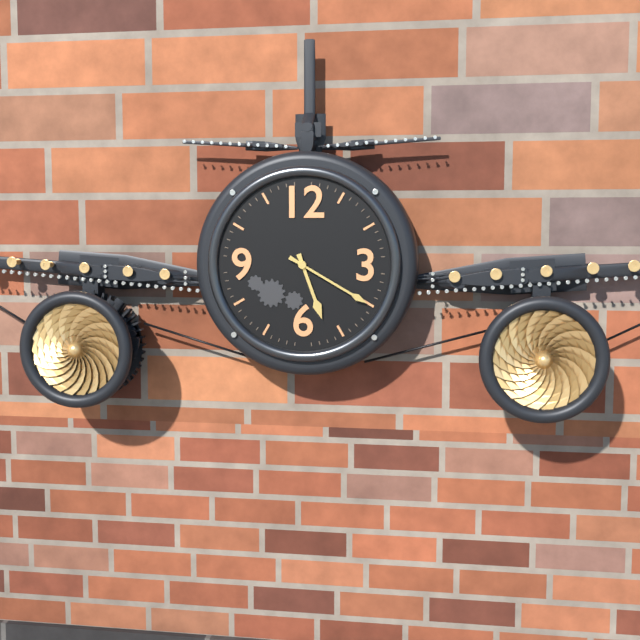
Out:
5 h 20 min
